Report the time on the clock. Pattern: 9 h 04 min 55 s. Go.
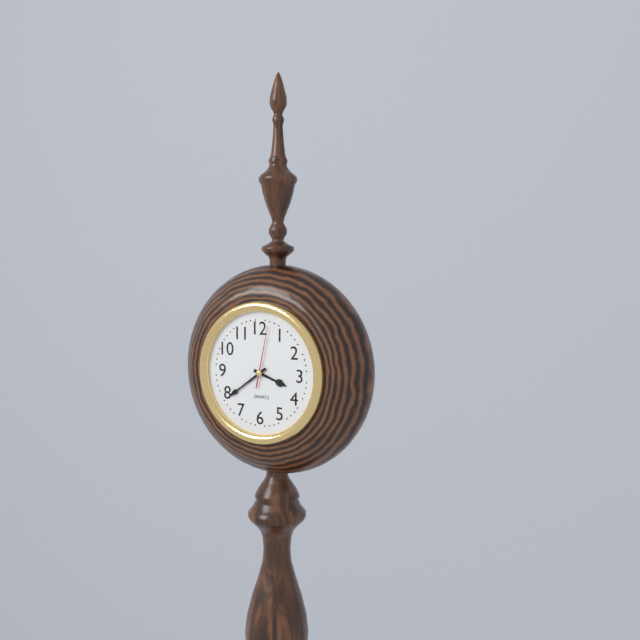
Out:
3 h 39 min 02 s
